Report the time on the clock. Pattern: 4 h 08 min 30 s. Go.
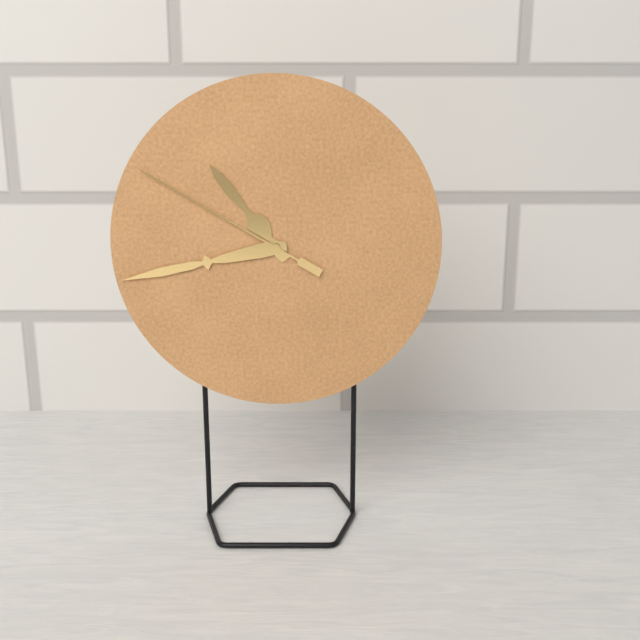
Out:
10 h 43 min 50 s
